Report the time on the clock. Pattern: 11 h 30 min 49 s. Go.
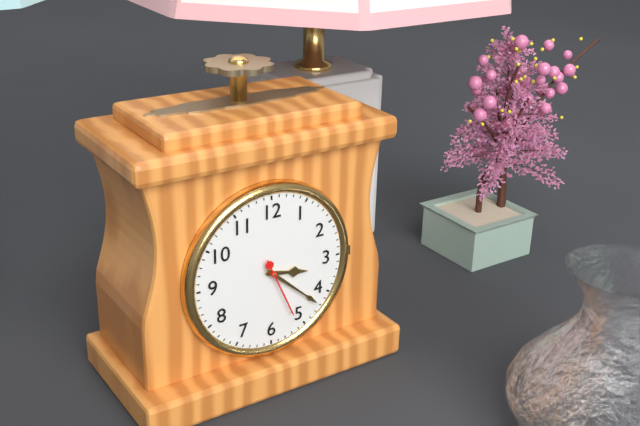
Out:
3 h 22 min 26 s
